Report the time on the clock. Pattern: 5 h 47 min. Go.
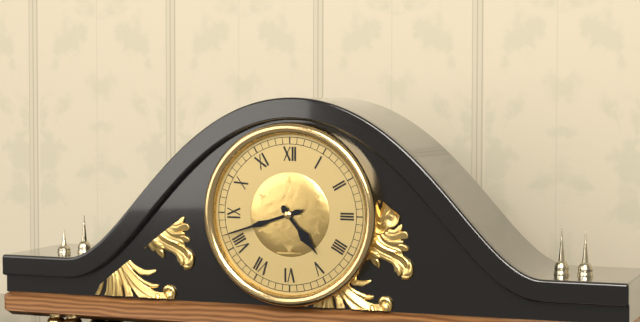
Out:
4 h 42 min
